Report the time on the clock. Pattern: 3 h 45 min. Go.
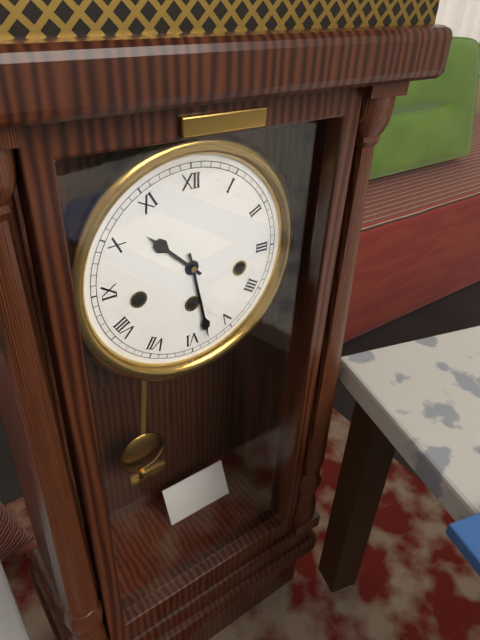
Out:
10 h 28 min
